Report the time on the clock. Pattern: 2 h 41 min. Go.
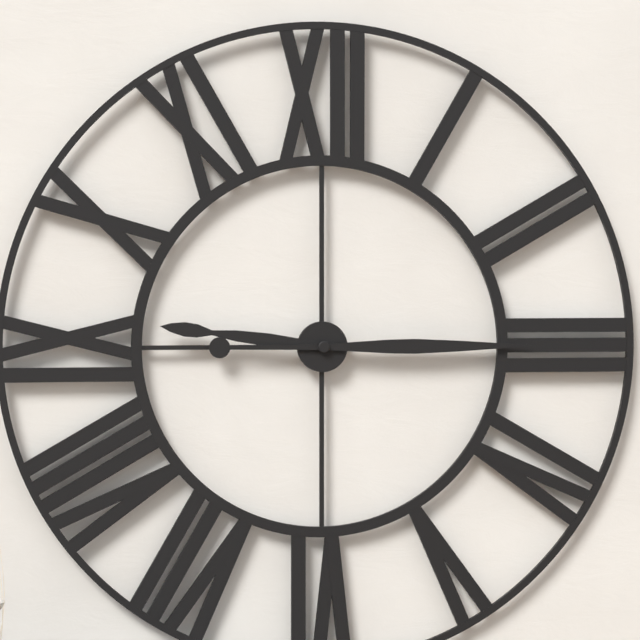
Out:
9 h 15 min
